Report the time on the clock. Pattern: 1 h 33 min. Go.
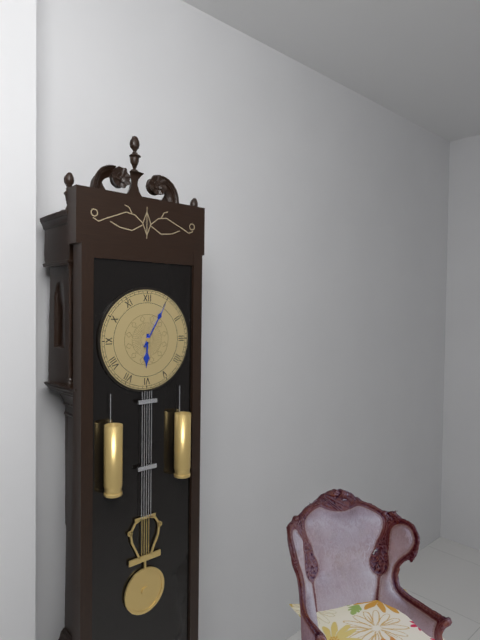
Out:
6 h 05 min
